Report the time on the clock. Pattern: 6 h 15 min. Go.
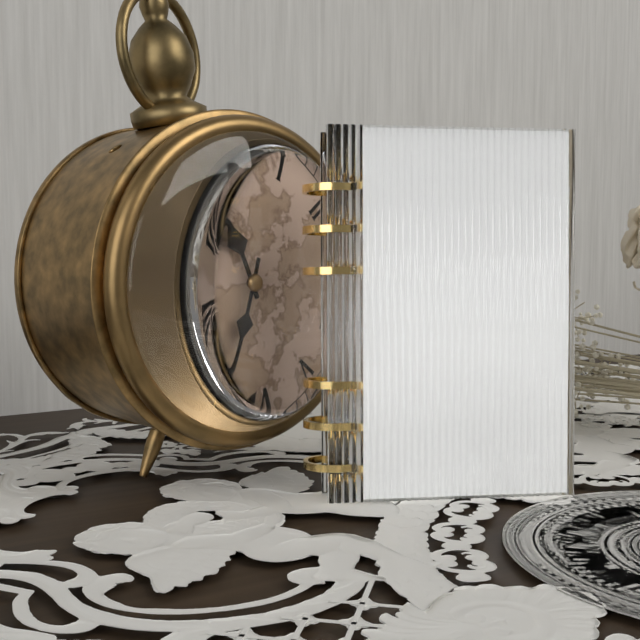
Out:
11 h 34 min
